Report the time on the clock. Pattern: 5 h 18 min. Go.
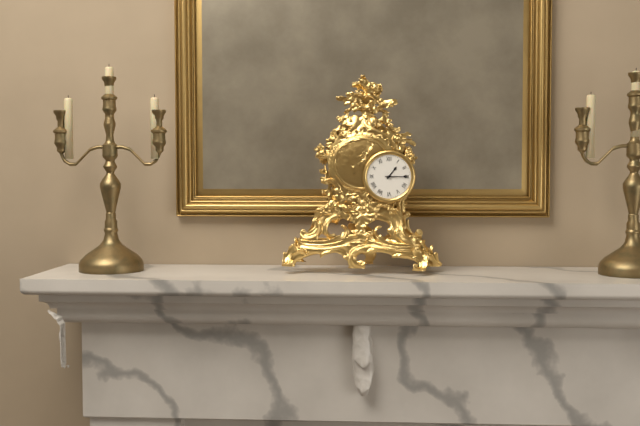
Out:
1 h 15 min
